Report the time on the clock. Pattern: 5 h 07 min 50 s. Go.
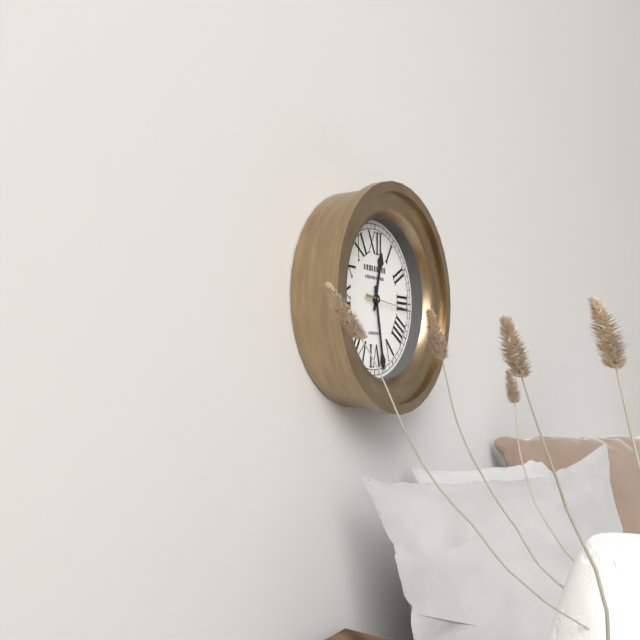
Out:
12 h 28 min 16 s
